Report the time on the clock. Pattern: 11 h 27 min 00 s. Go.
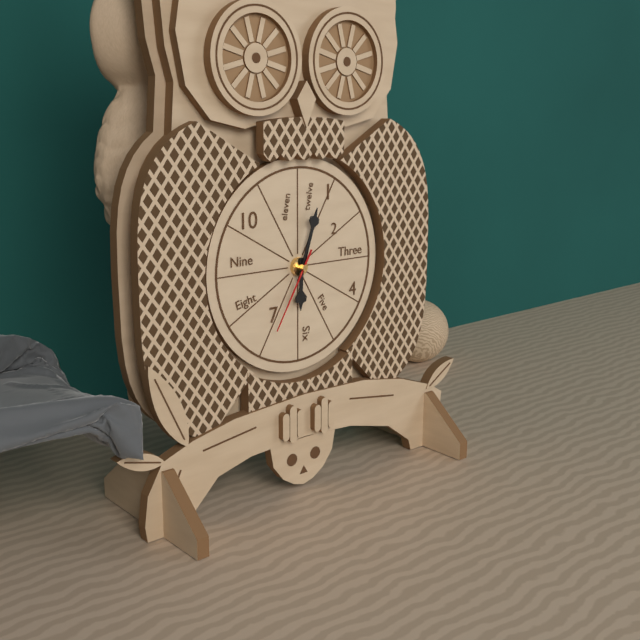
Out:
6 h 03 min 35 s
